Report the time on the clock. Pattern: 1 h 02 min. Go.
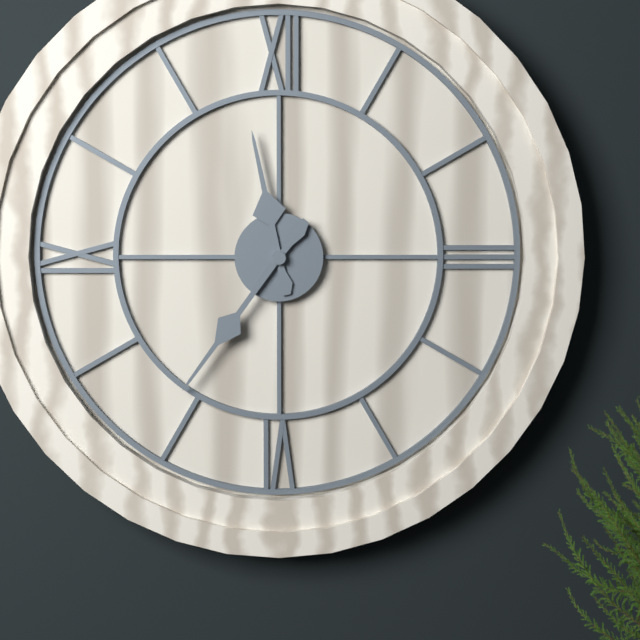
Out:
11 h 36 min
